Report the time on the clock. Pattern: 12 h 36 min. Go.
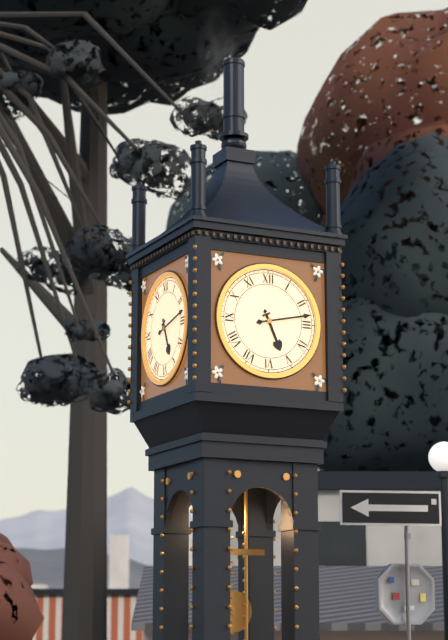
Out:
5 h 13 min
